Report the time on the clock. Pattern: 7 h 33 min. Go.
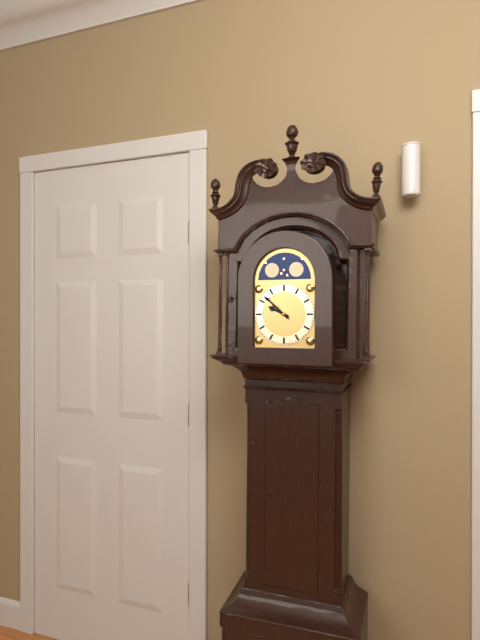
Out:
9 h 52 min
